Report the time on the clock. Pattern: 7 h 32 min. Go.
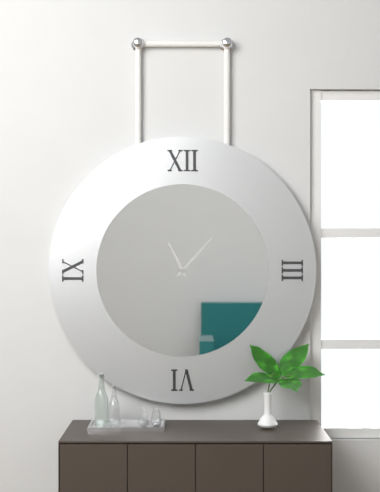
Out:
11 h 07 min
